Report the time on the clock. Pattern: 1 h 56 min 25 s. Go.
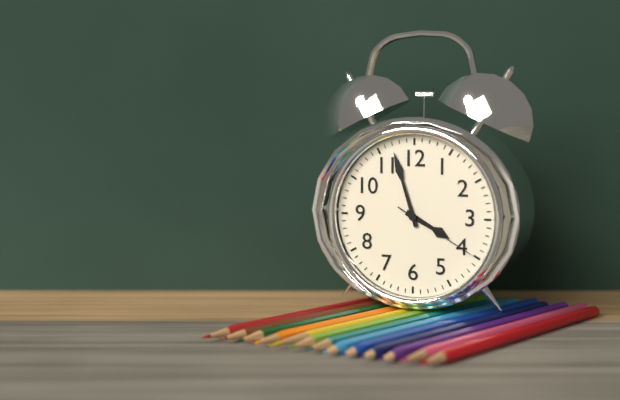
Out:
3 h 57 min 20 s
